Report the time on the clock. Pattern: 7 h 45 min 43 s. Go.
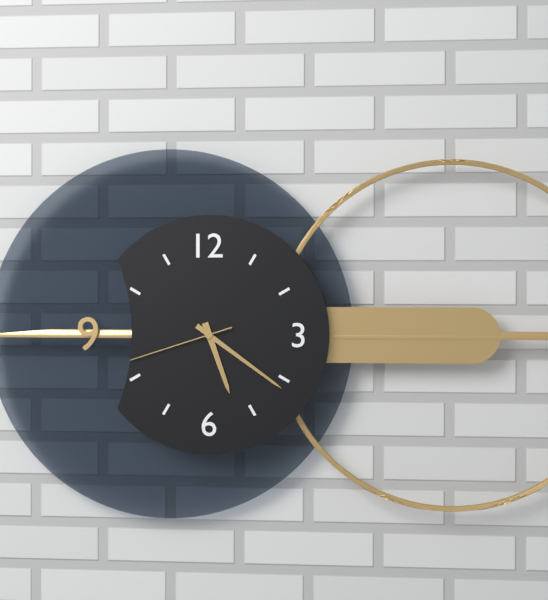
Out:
5 h 21 min 42 s
